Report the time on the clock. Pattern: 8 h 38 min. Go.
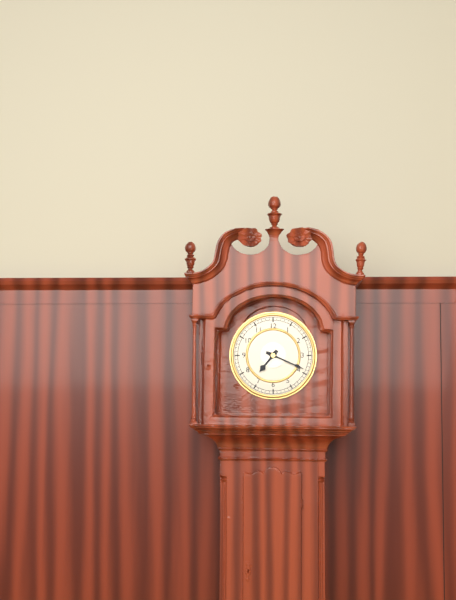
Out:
7 h 19 min
